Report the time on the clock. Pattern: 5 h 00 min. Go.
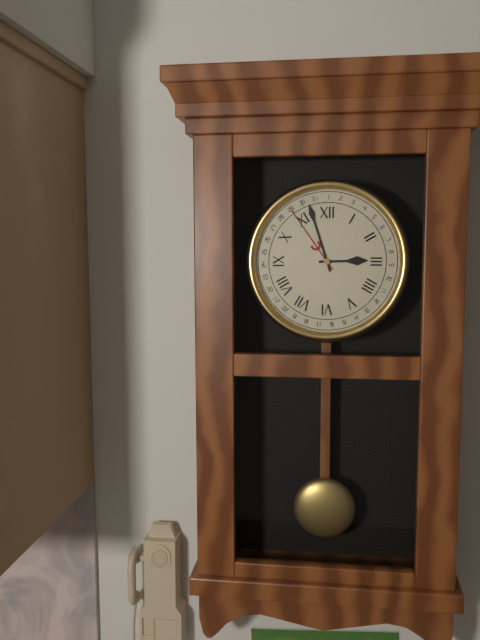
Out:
2 h 57 min
